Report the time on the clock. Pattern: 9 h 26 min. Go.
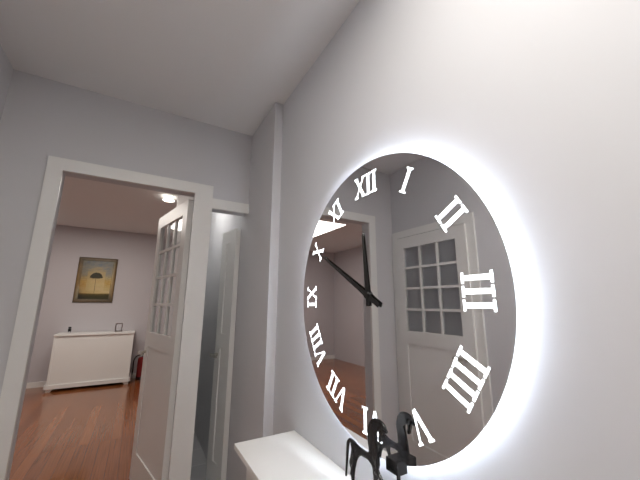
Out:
11 h 50 min
